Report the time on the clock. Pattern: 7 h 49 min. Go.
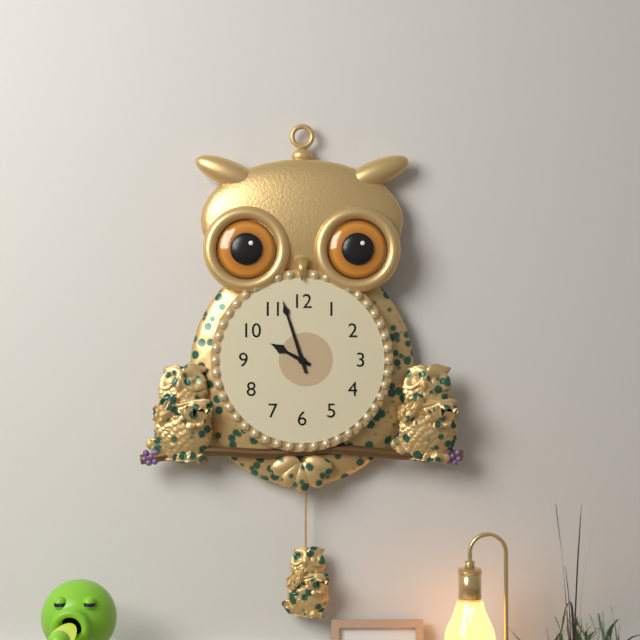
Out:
9 h 57 min
